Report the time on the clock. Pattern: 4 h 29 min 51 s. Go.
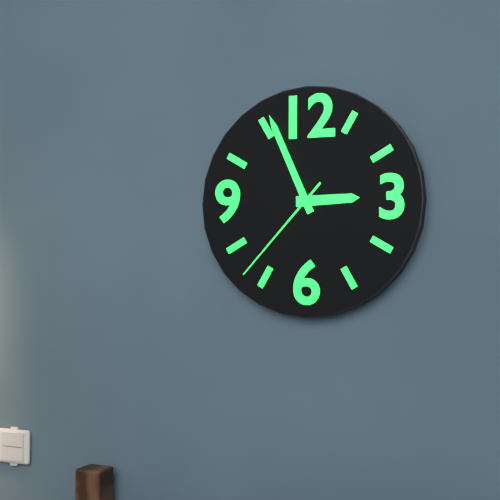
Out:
2 h 56 min 37 s
